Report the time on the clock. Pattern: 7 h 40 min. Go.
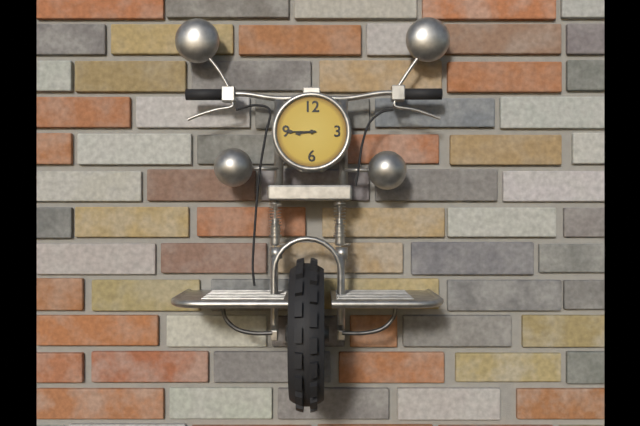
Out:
8 h 45 min
